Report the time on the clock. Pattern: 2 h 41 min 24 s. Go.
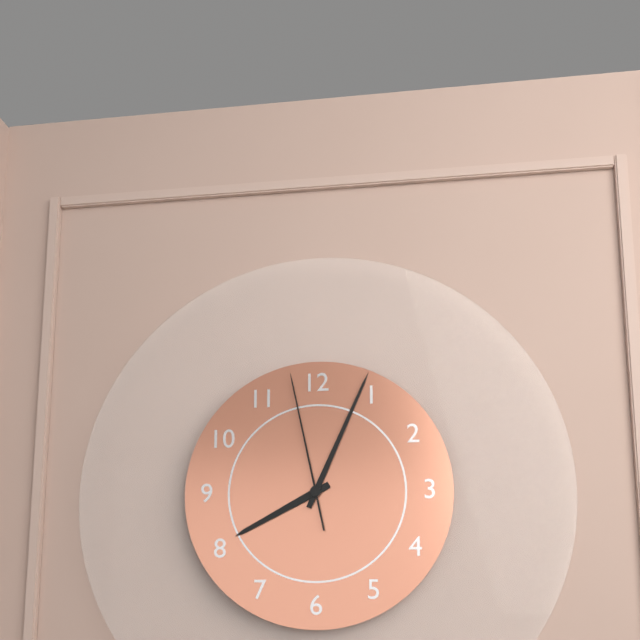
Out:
8 h 04 min 58 s
